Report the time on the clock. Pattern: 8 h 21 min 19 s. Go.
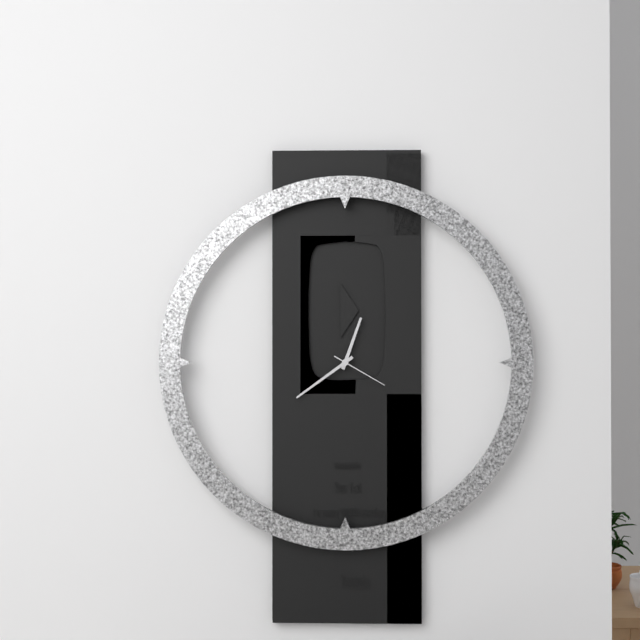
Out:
12 h 39 min 20 s
